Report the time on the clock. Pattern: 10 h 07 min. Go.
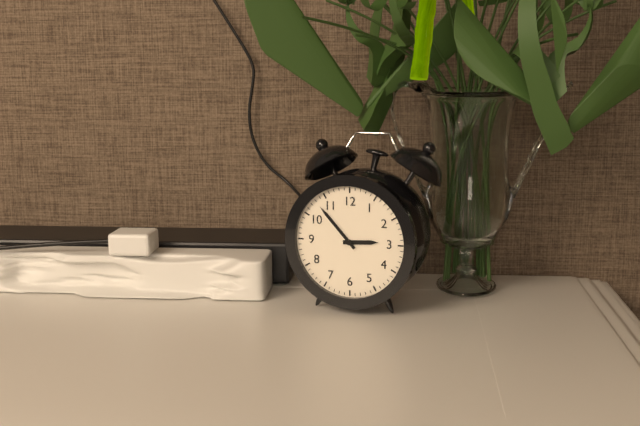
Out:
2 h 53 min
